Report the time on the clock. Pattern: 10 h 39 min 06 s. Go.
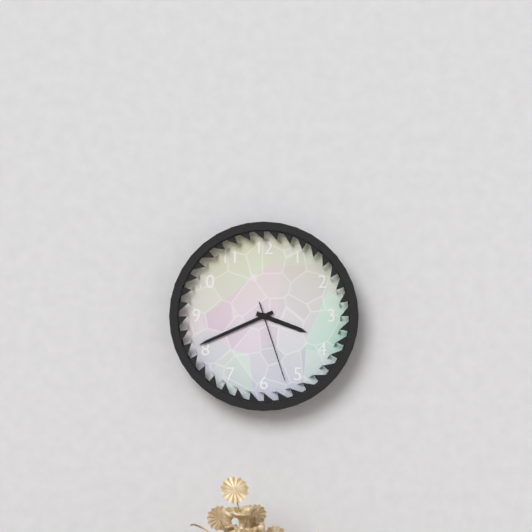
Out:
3 h 41 min 27 s
